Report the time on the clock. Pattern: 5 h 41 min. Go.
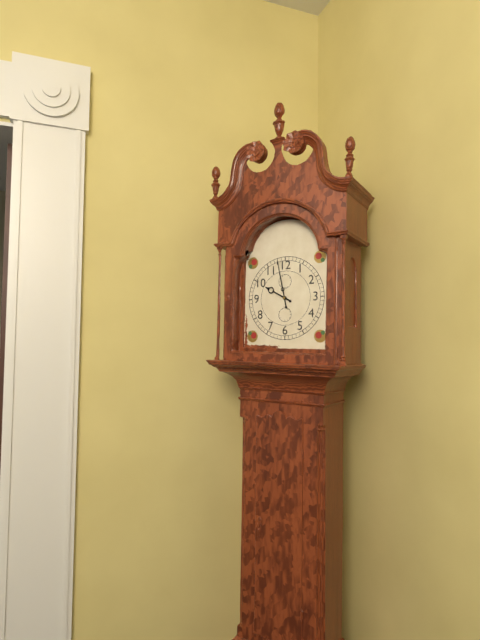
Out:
9 h 58 min
